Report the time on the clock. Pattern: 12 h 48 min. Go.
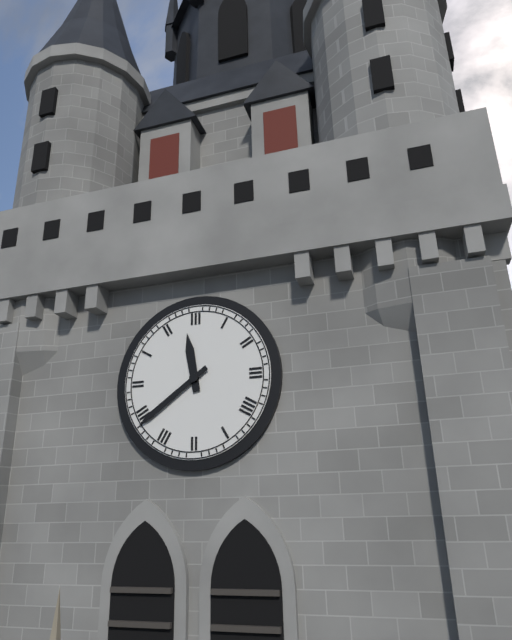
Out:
11 h 39 min
